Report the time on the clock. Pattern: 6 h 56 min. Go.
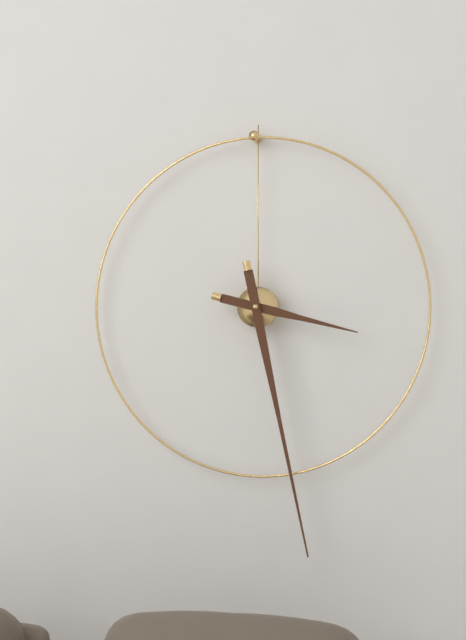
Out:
3 h 28 min
